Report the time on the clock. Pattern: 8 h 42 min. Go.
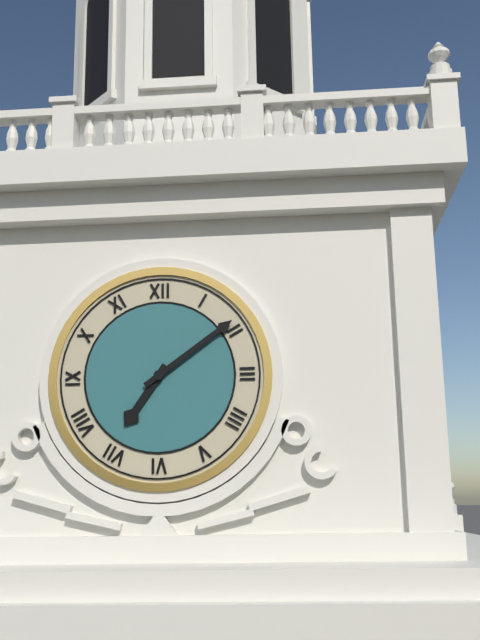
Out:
7 h 09 min
